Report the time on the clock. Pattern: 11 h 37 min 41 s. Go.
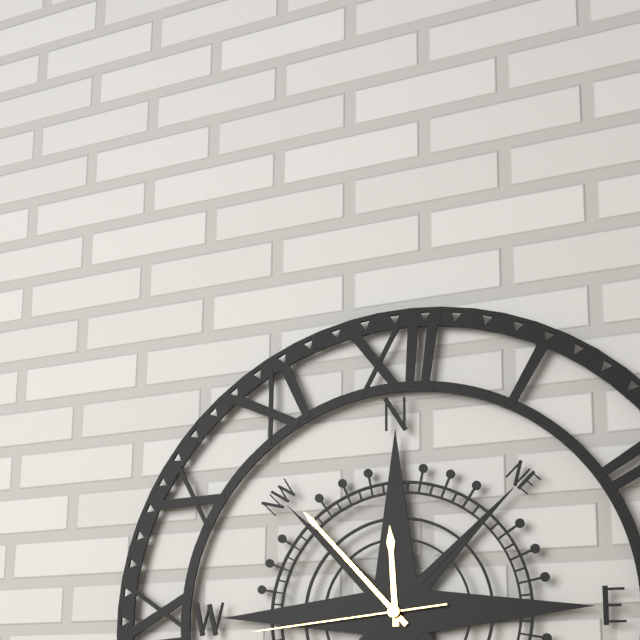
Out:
11 h 53 min 44 s
